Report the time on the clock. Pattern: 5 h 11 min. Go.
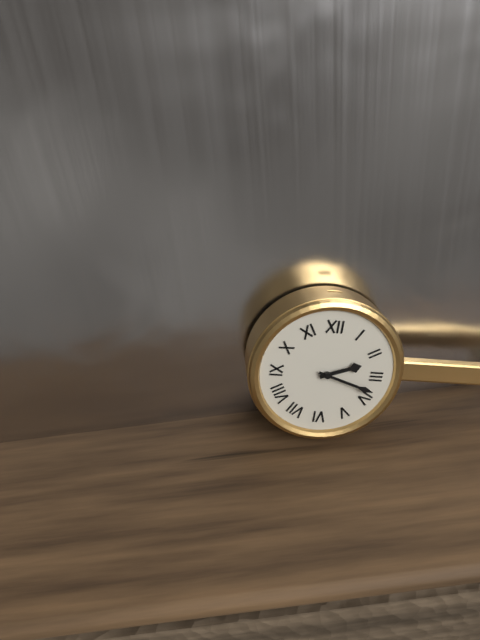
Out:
2 h 18 min
